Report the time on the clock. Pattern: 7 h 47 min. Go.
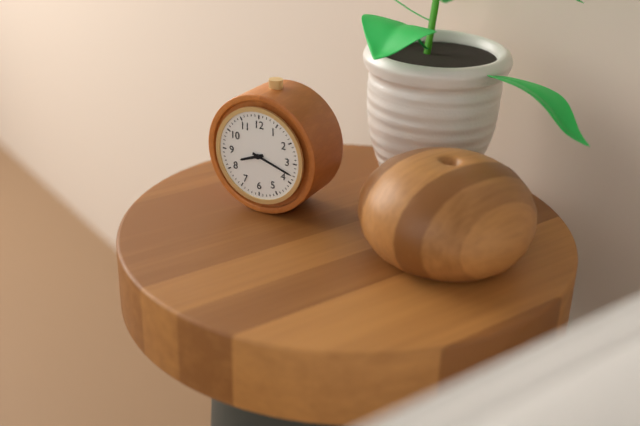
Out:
8 h 18 min
